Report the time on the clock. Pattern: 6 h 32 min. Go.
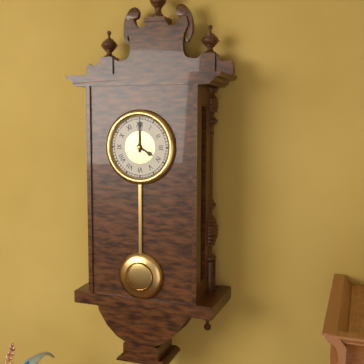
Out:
4 h 00 min
